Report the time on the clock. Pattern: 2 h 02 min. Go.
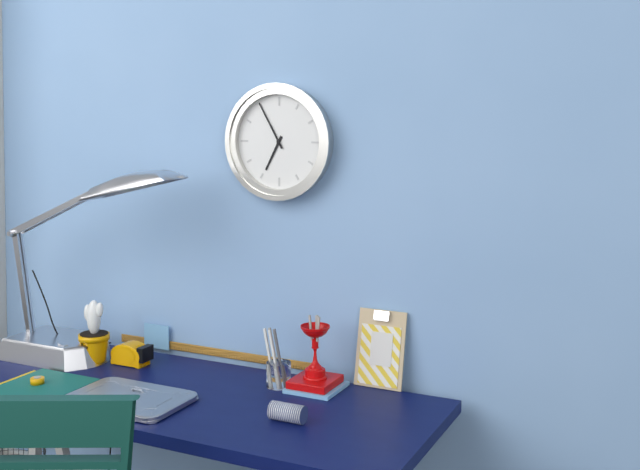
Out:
6 h 55 min
